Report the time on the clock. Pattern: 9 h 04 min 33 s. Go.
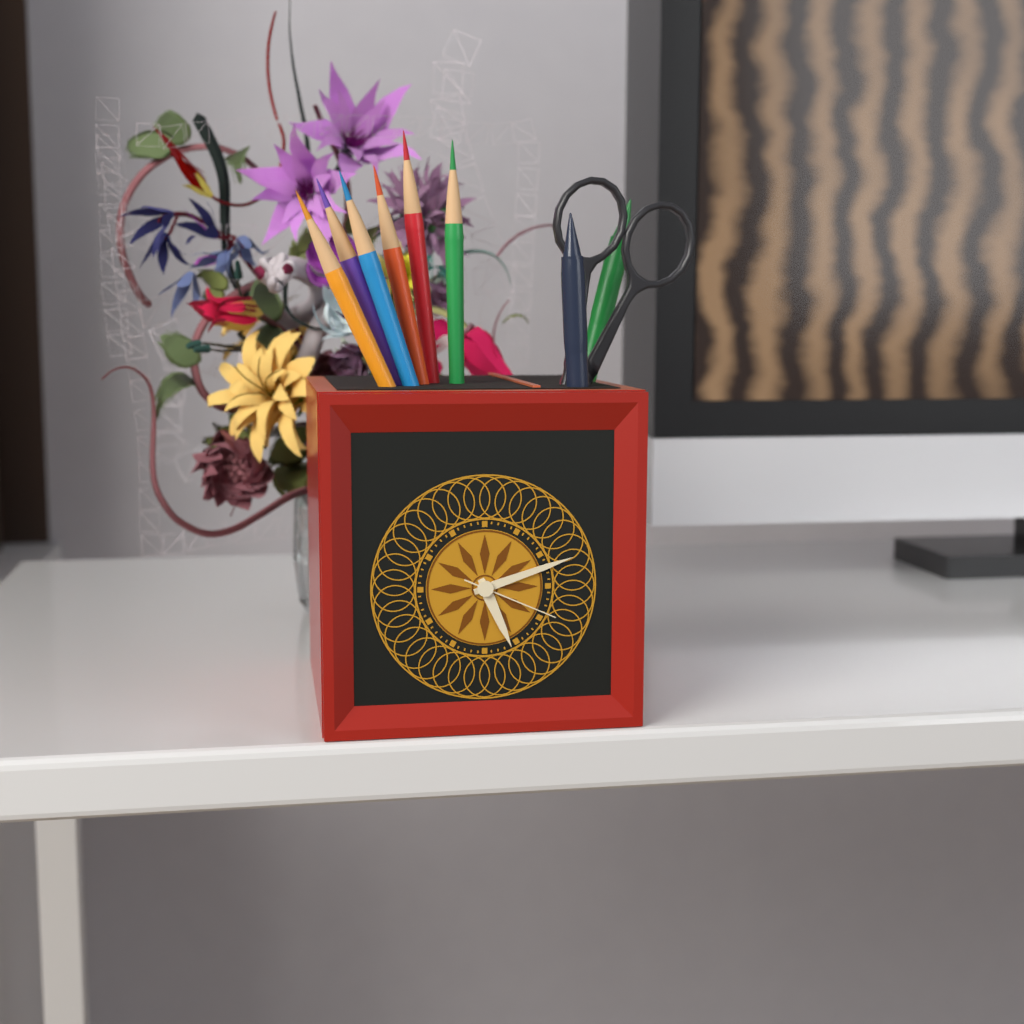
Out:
5 h 12 min 19 s
